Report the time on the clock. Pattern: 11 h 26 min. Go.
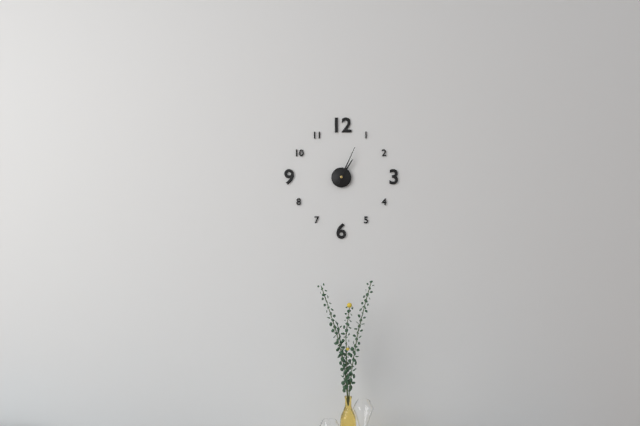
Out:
1 h 04 min
